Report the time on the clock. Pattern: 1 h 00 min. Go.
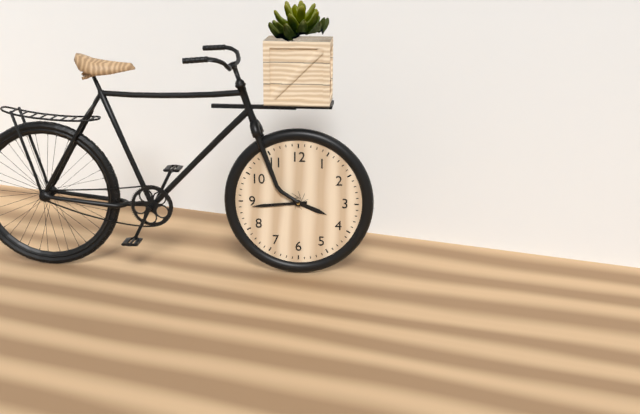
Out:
3 h 44 min
